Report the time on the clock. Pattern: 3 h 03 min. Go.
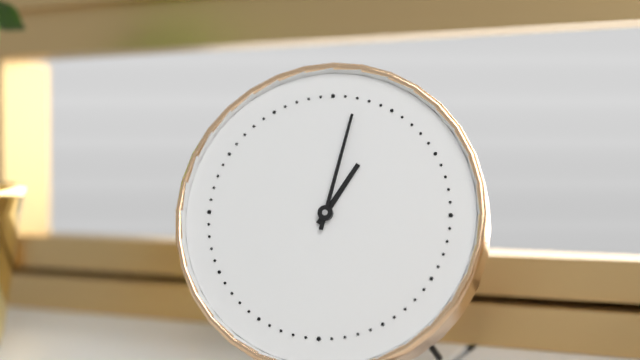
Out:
1 h 02 min
